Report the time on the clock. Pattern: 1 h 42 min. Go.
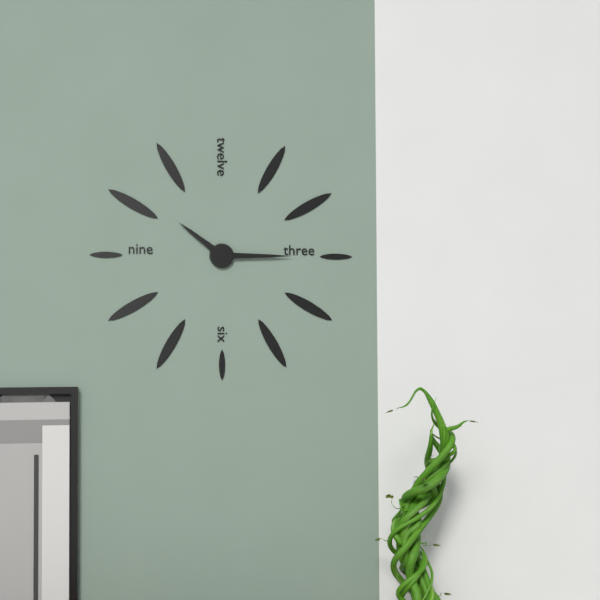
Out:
10 h 15 min
